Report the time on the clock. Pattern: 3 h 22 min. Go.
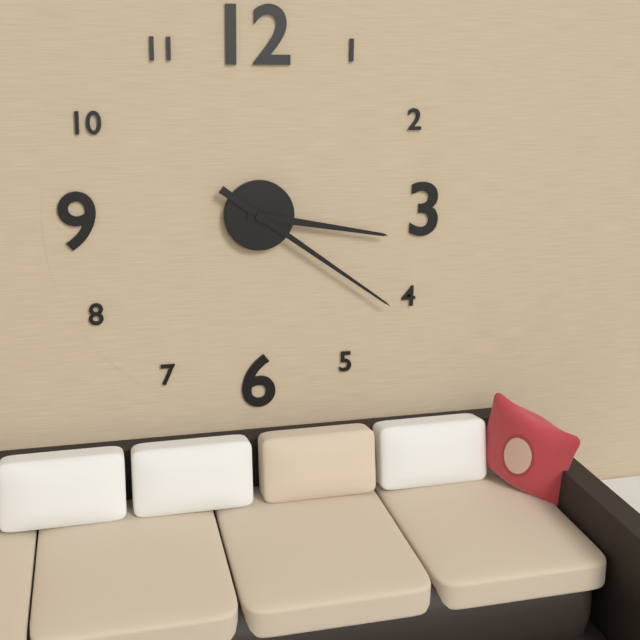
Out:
3 h 21 min
